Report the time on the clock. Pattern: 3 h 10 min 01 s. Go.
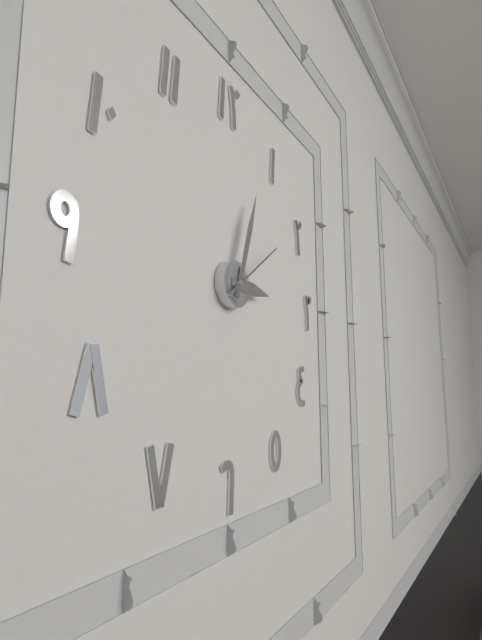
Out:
3 h 03 min 09 s
